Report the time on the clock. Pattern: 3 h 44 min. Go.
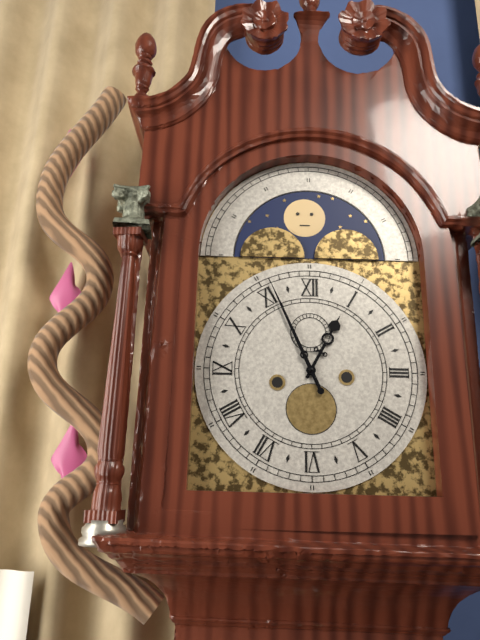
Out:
12 h 56 min
